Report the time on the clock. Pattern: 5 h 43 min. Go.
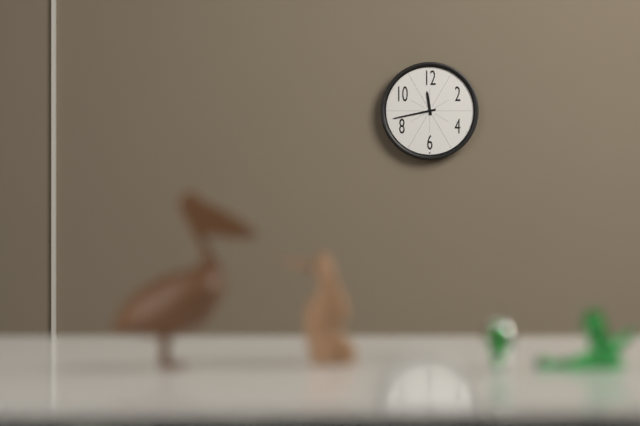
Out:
11 h 43 min
